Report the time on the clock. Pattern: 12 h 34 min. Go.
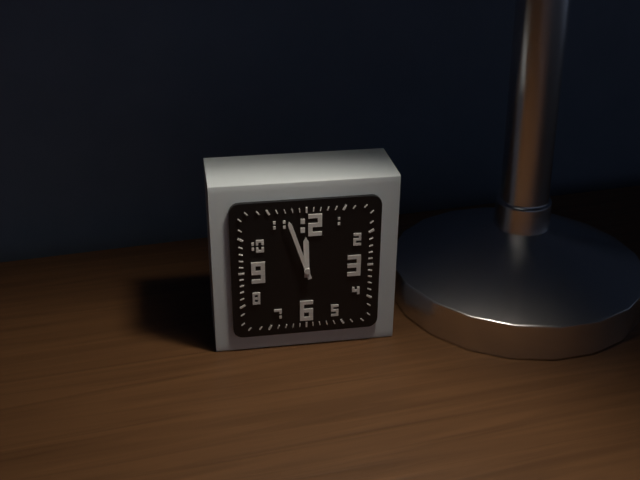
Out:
11 h 57 min
